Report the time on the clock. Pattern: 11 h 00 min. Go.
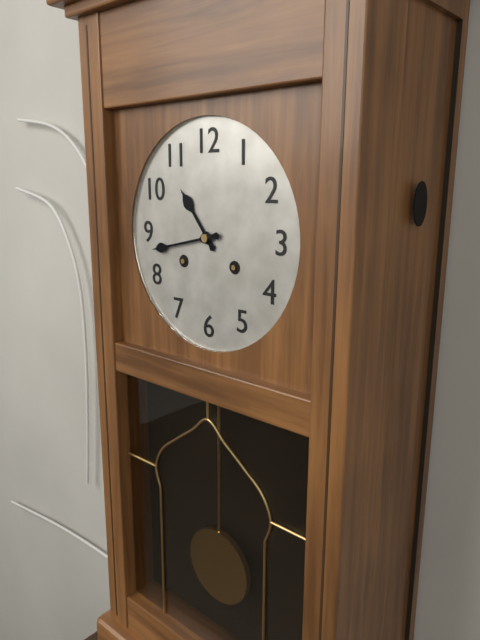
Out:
10 h 43 min
